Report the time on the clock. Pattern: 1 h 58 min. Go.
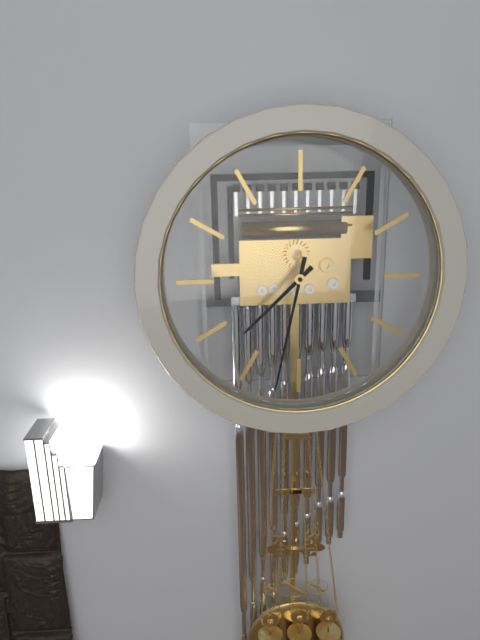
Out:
7 h 32 min
